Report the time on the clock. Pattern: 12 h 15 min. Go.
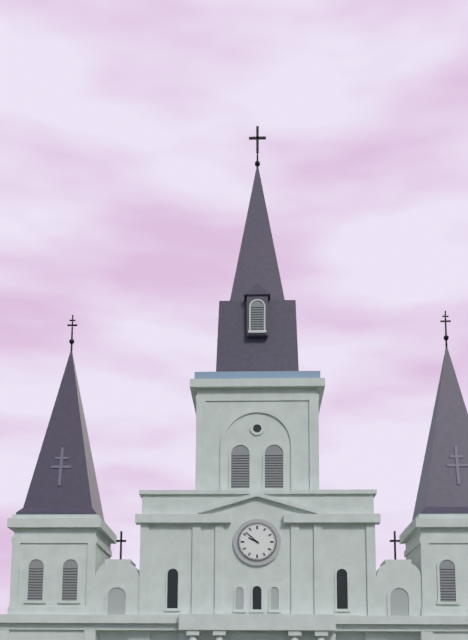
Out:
9 h 52 min
